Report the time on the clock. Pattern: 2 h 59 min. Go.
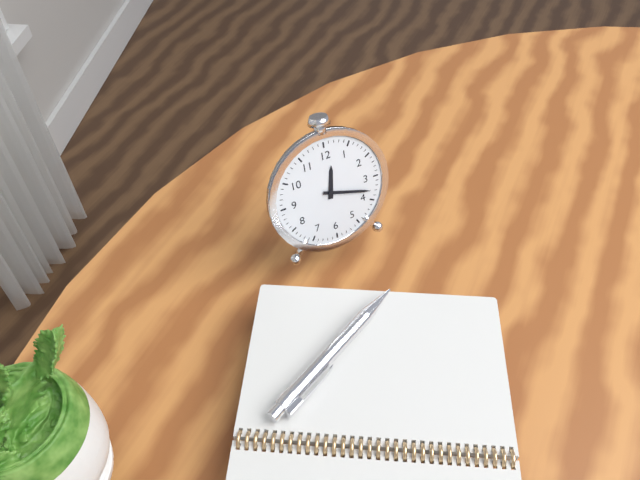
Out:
12 h 18 min
